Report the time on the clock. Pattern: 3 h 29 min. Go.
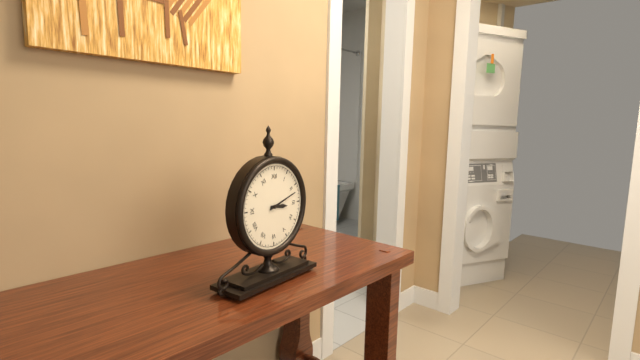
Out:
3 h 12 min
